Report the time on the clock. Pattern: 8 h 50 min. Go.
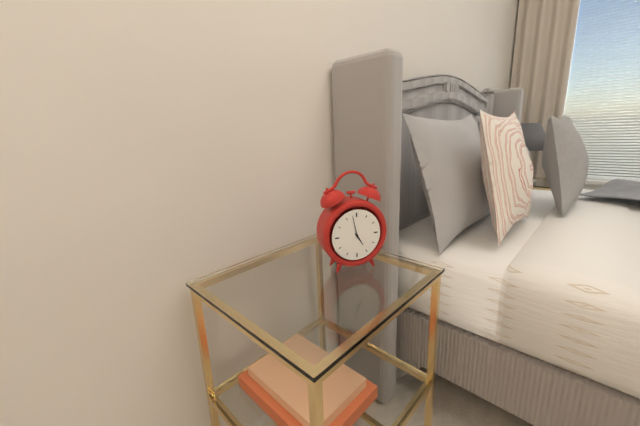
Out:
4 h 58 min
